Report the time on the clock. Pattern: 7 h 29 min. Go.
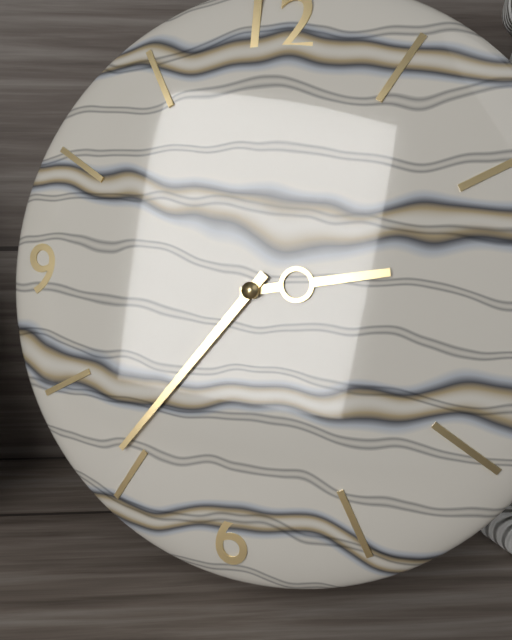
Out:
2 h 36 min
